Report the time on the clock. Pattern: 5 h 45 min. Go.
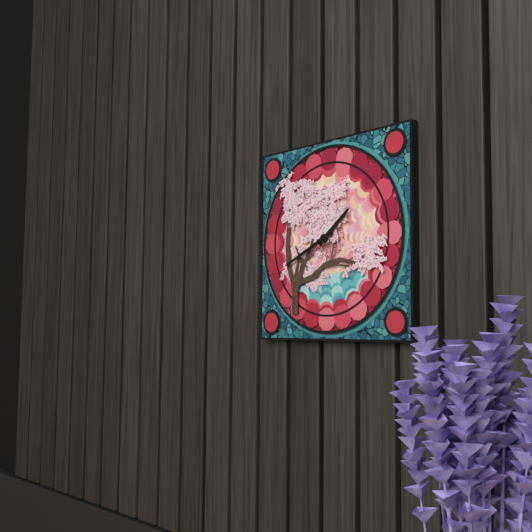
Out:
1 h 41 min
